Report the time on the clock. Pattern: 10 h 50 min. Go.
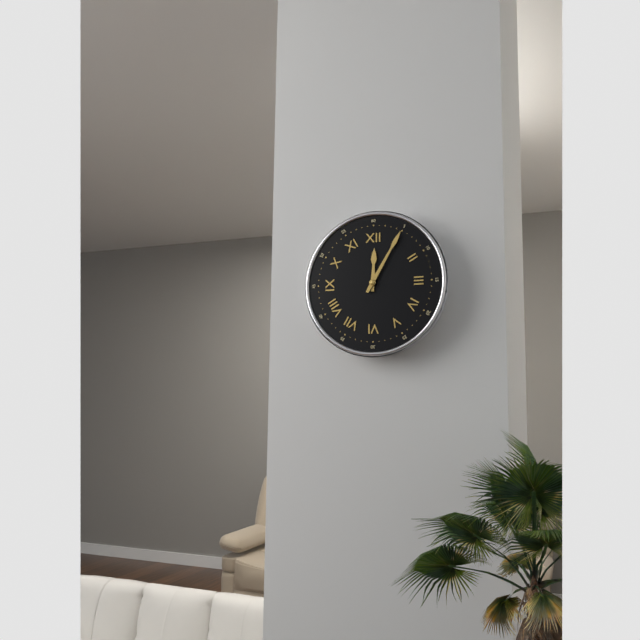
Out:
12 h 05 min
